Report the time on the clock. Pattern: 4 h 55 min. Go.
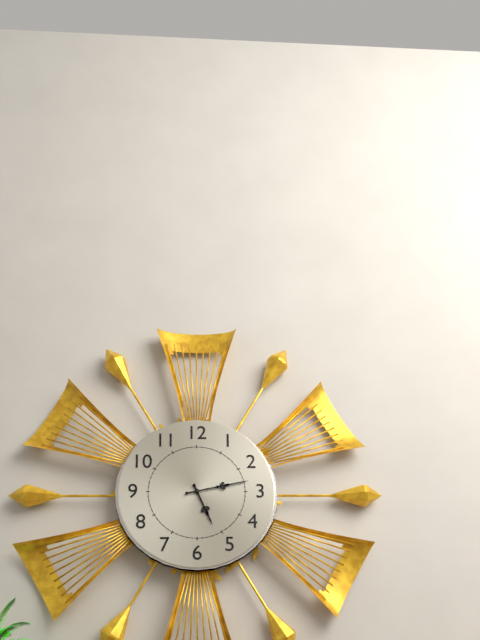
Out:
5 h 13 min
